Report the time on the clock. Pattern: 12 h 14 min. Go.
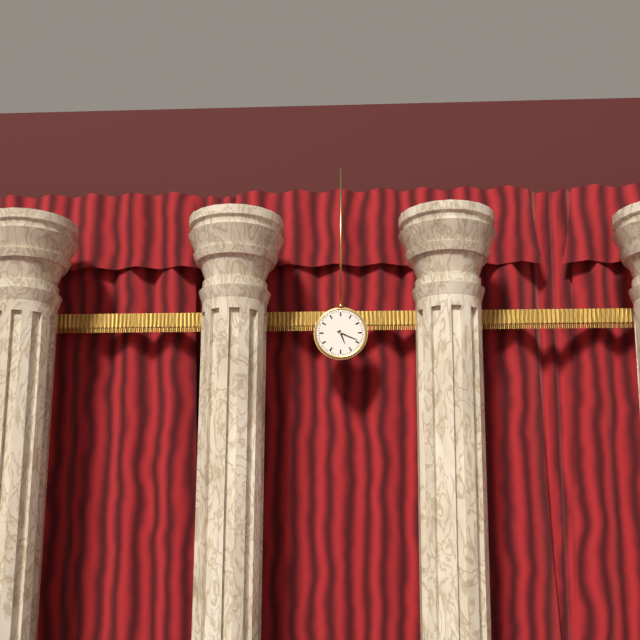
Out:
5 h 19 min
